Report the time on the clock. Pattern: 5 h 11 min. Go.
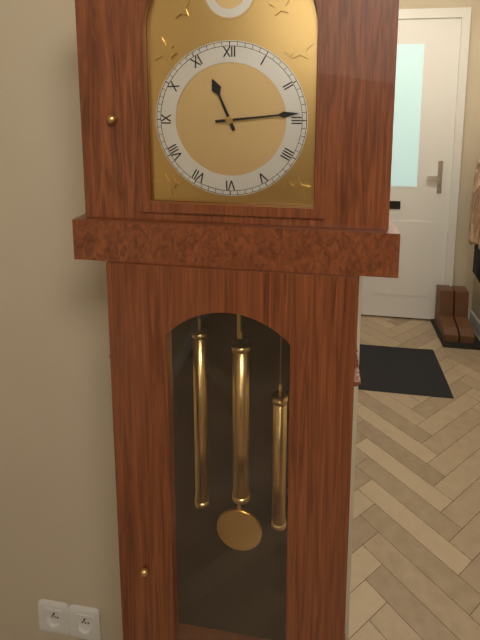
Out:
11 h 14 min
